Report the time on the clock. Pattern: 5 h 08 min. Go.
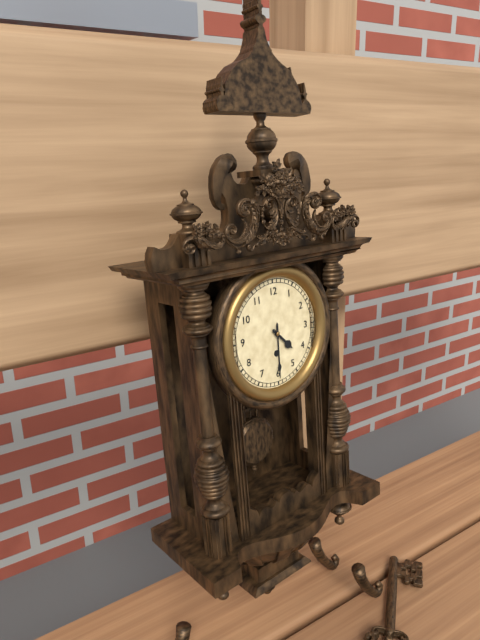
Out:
4 h 30 min
